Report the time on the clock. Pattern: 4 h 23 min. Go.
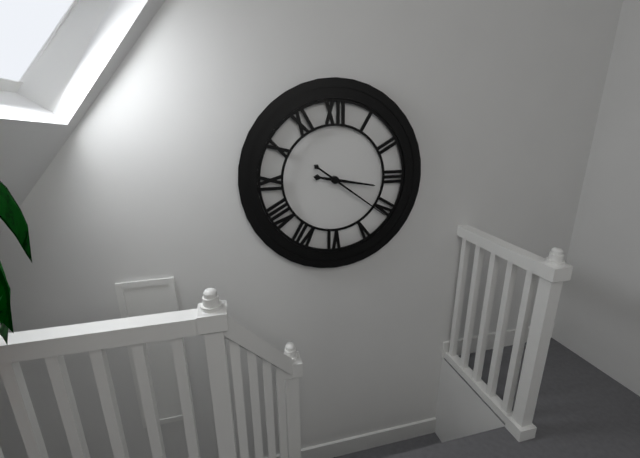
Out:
3 h 21 min
